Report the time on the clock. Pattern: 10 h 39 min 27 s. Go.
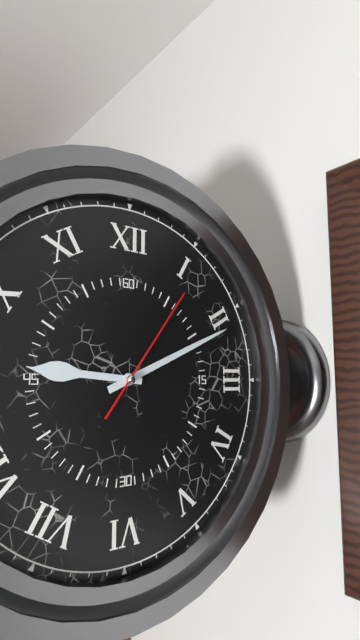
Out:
9 h 11 min 06 s
